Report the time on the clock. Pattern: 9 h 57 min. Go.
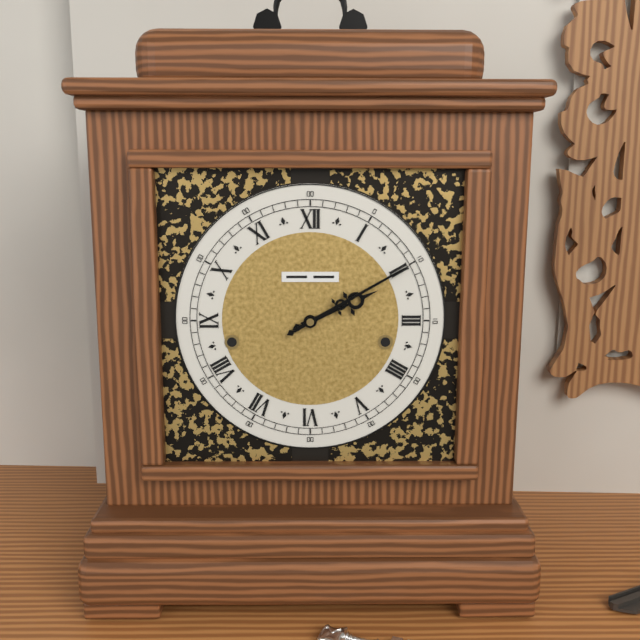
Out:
2 h 10 min
